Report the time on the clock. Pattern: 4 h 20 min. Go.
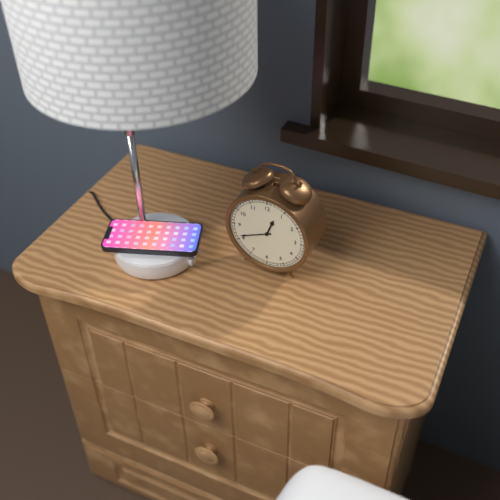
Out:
12 h 41 min
